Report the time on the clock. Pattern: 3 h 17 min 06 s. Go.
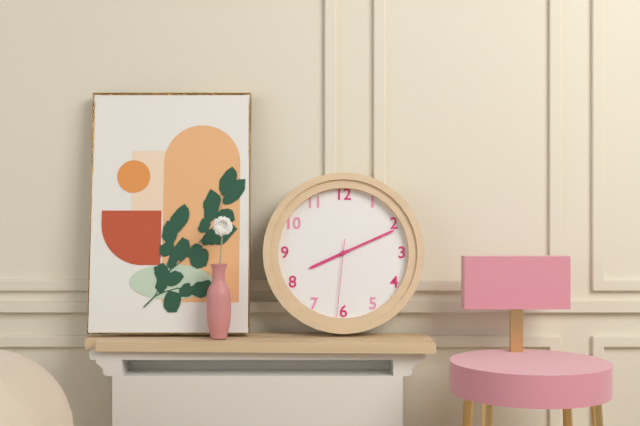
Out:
8 h 11 min 31 s
